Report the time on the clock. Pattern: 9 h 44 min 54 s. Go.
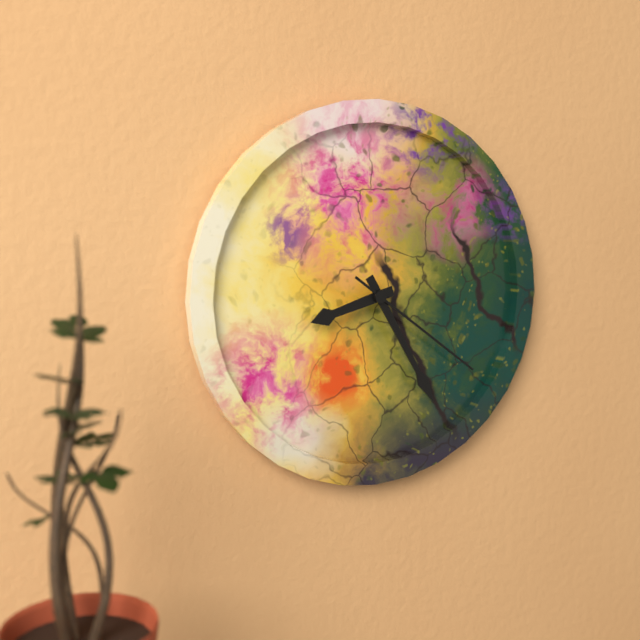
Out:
8 h 25 min 21 s
